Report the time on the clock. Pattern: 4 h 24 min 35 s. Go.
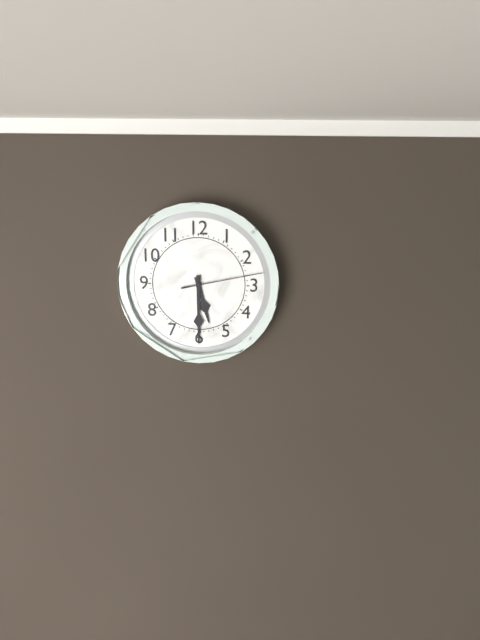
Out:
5 h 30 min 13 s
